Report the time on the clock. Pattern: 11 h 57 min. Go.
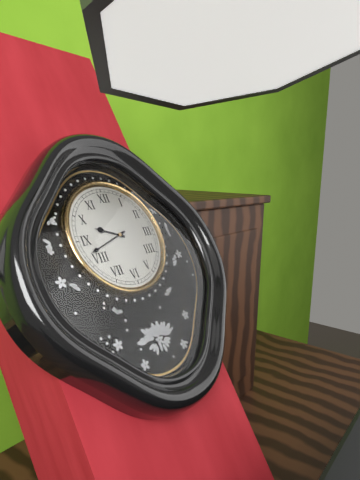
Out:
9 h 42 min
